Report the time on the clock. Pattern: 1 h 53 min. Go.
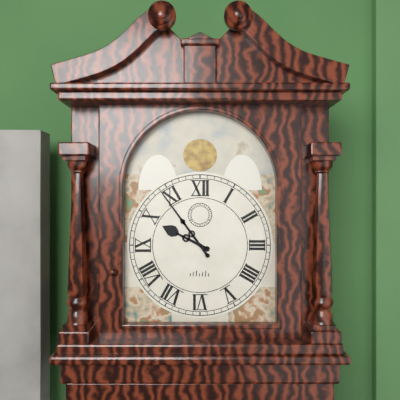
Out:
9 h 54 min
